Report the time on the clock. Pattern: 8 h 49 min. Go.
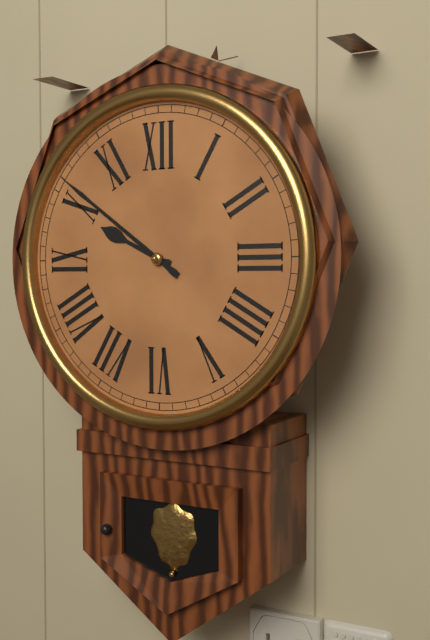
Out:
9 h 51 min
